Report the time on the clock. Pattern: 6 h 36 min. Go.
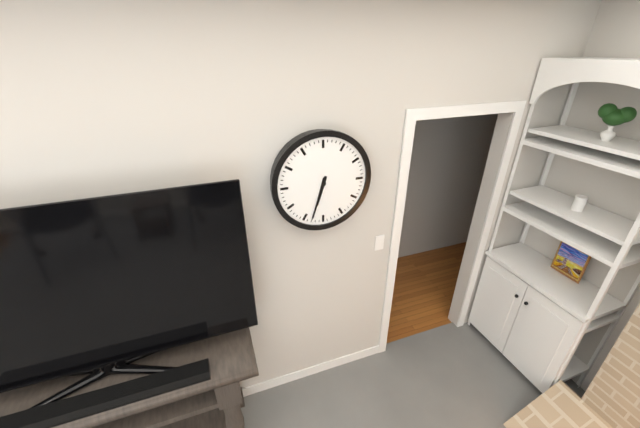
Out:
6 h 33 min
